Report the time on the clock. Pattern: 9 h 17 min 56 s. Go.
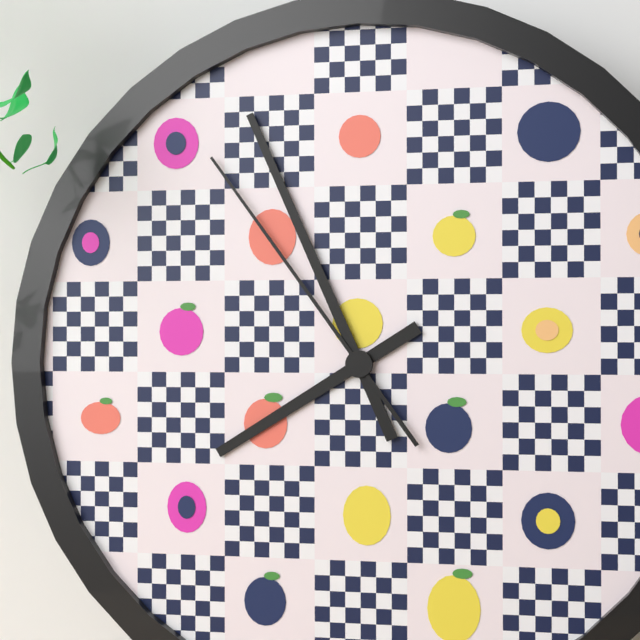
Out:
7 h 56 min 54 s
